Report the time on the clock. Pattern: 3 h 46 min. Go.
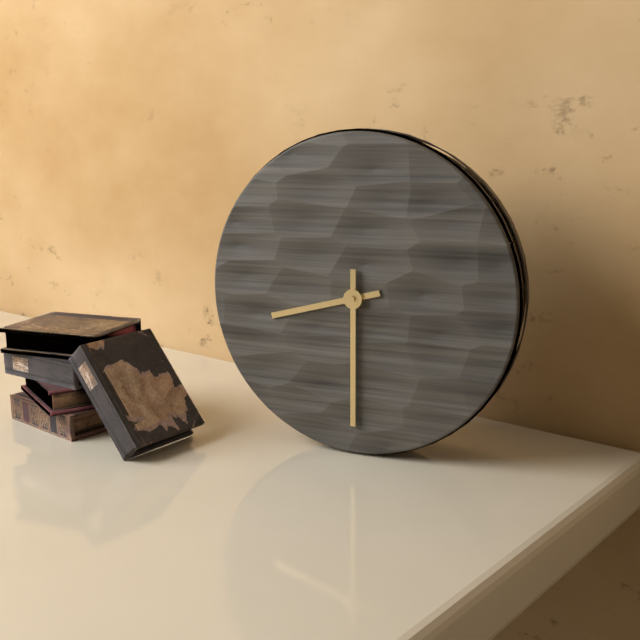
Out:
8 h 30 min
